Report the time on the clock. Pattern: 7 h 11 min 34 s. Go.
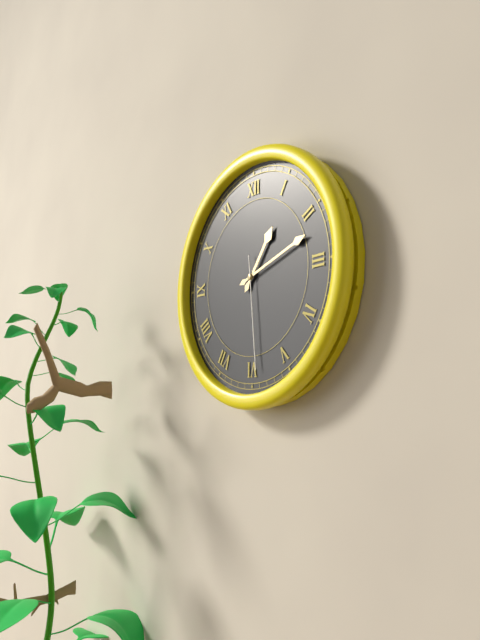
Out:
1 h 12 min 29 s
